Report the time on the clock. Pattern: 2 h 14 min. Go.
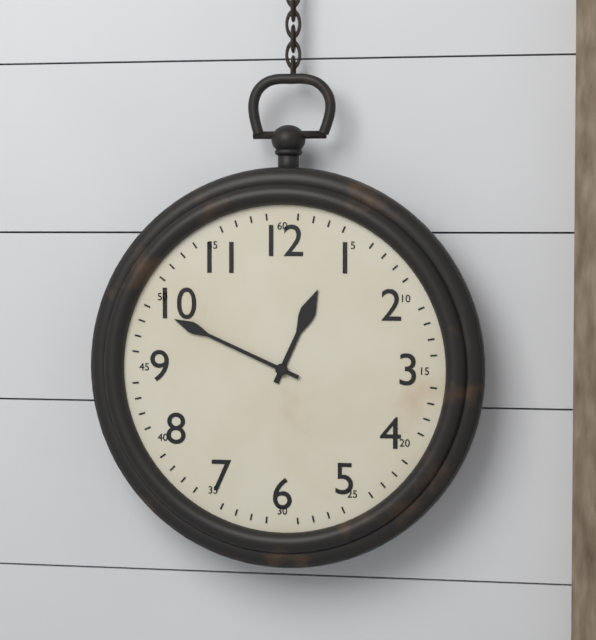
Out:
12 h 49 min
